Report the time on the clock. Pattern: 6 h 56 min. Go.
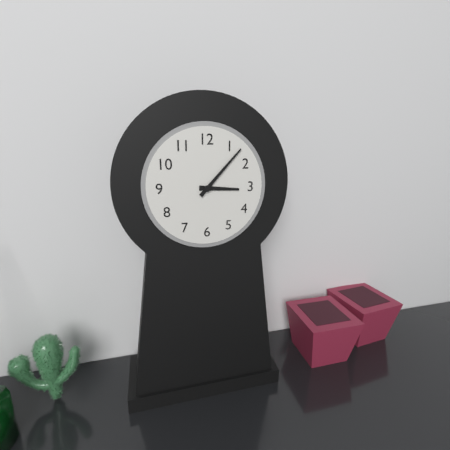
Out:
3 h 07 min
